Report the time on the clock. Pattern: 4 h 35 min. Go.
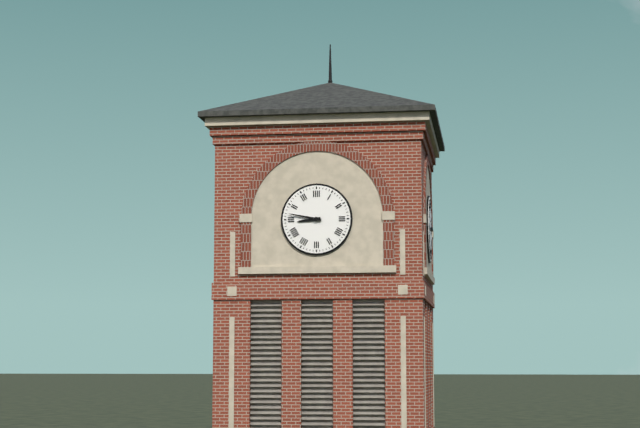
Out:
8 h 47 min
